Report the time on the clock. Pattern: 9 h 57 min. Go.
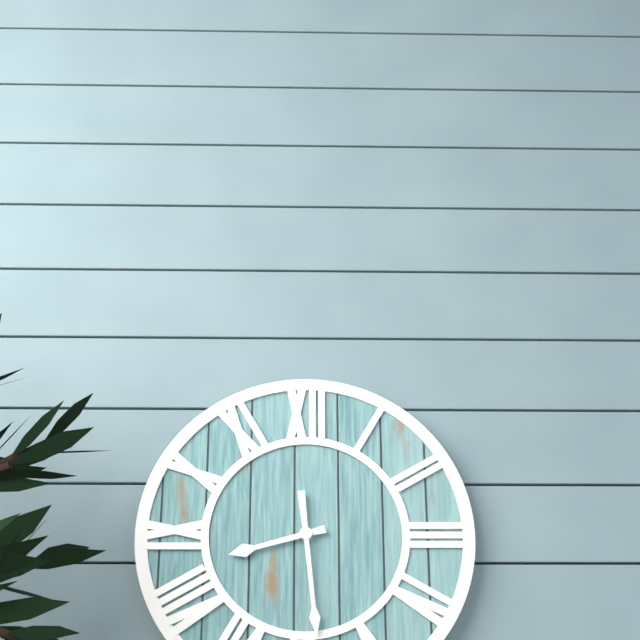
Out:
8 h 29 min
